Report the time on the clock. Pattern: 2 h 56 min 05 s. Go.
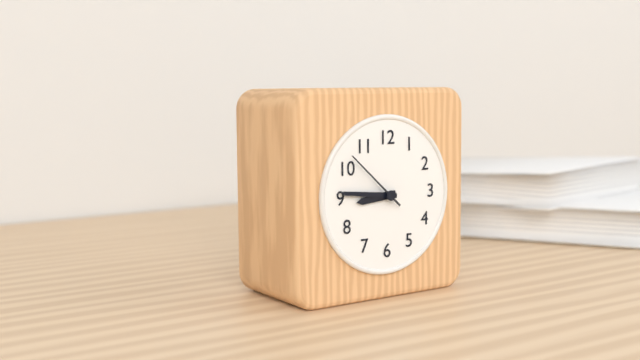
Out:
8 h 46 min 52 s
